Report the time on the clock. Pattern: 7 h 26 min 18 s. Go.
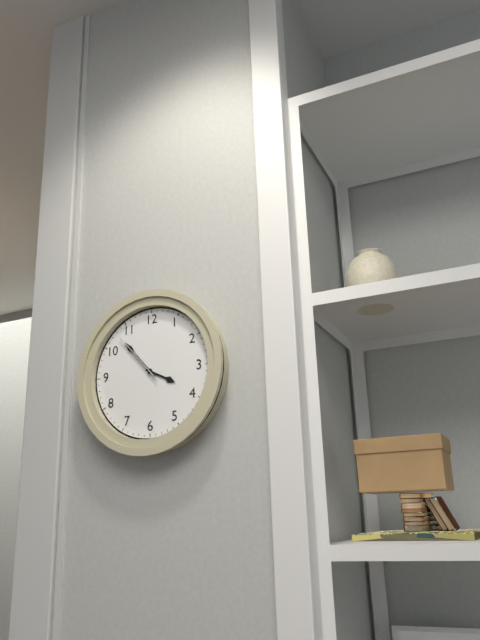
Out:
3 h 53 min 53 s
